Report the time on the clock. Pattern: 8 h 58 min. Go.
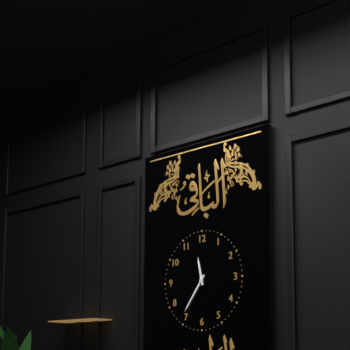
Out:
11 h 36 min
